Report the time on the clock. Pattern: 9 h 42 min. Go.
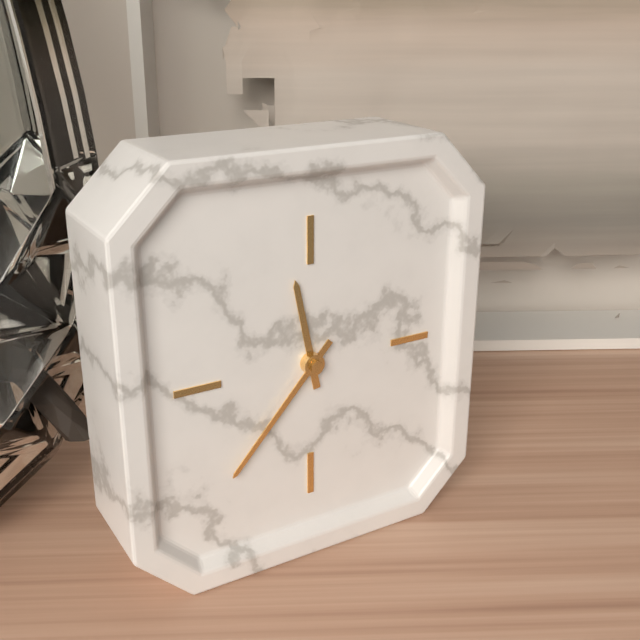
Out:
11 h 37 min
